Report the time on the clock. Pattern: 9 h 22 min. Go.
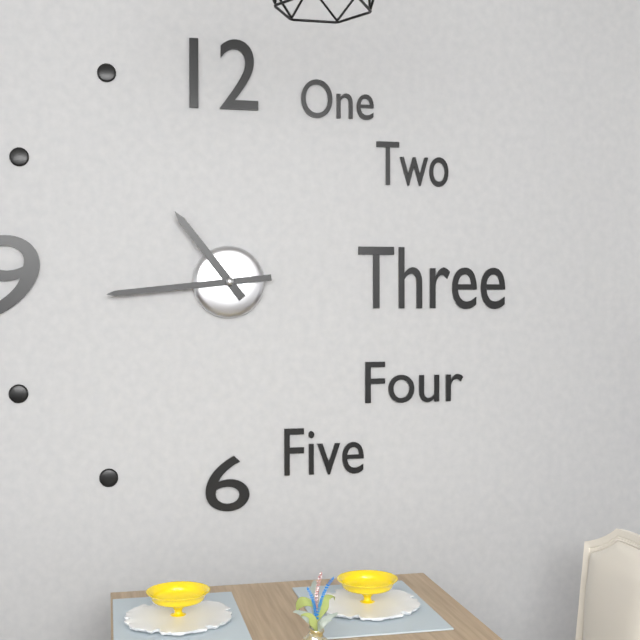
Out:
10 h 44 min
